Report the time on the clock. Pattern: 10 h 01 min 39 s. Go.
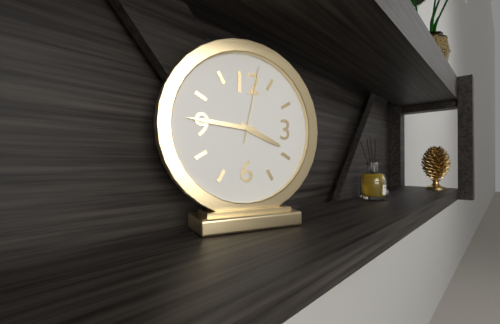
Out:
3 h 46 min 02 s
